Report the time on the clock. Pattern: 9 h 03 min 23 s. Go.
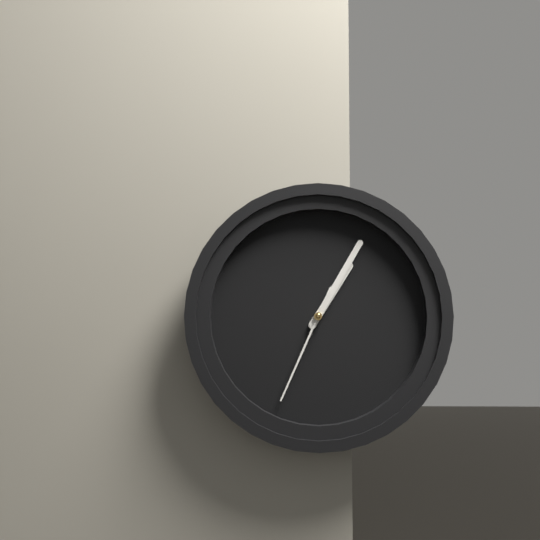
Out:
1 h 05 min 34 s
